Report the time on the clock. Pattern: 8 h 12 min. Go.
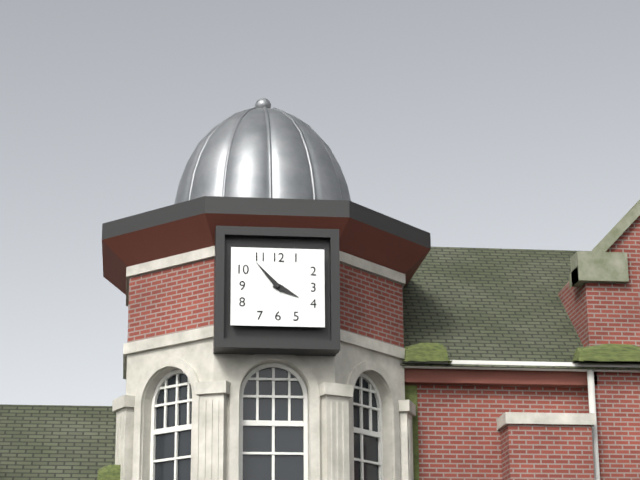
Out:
3 h 53 min
